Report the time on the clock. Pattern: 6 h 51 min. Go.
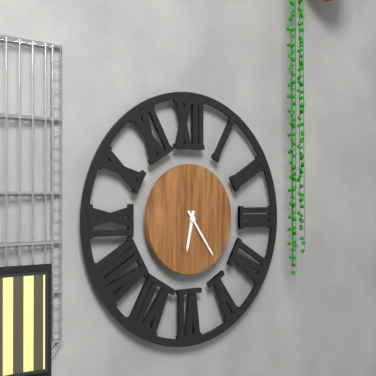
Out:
6 h 24 min
